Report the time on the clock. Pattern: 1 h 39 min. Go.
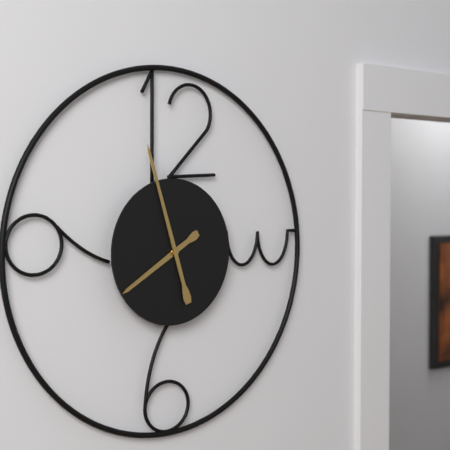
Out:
7 h 57 min
